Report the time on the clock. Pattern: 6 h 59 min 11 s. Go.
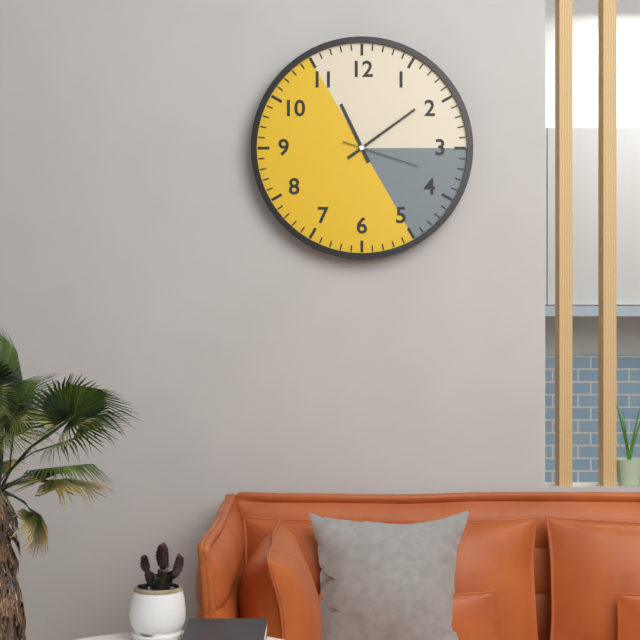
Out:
11 h 09 min 18 s
